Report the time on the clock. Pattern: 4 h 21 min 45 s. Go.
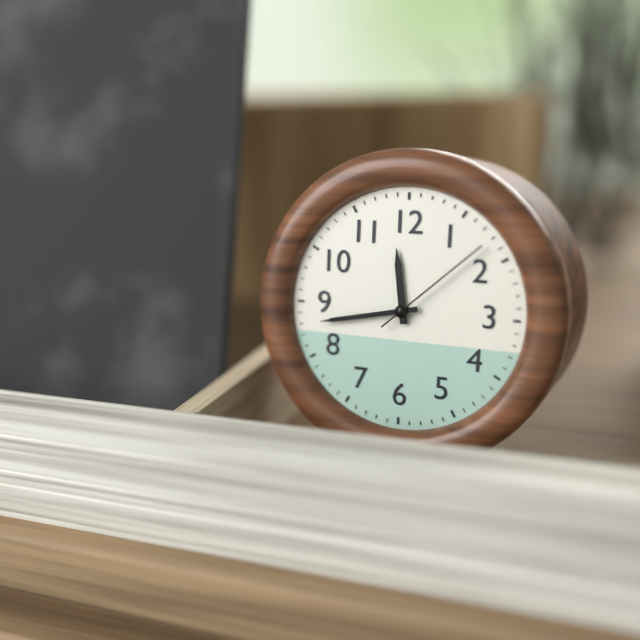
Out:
11 h 43 min 08 s
